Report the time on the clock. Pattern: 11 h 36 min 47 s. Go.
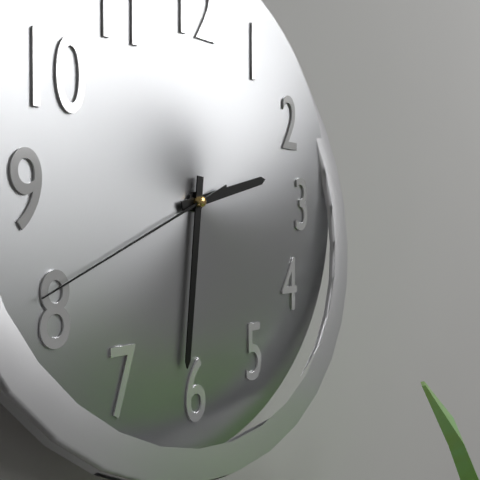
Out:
2 h 31 min 41 s
